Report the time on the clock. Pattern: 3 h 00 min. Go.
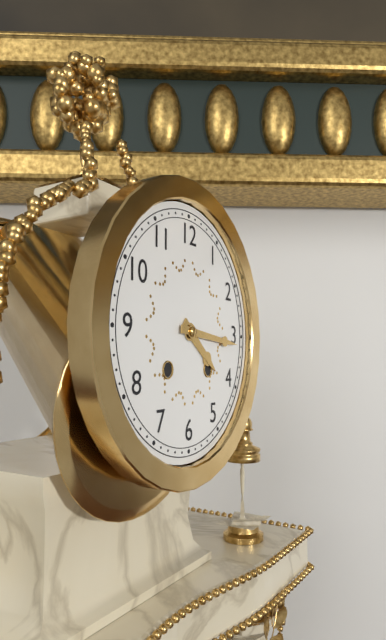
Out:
4 h 16 min
